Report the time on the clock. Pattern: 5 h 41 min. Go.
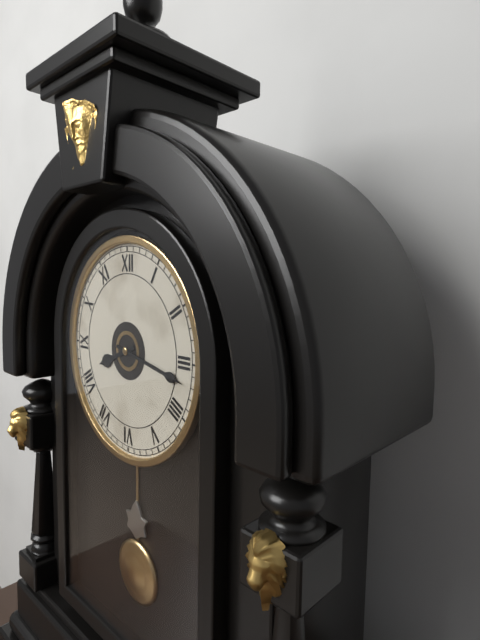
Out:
8 h 17 min
